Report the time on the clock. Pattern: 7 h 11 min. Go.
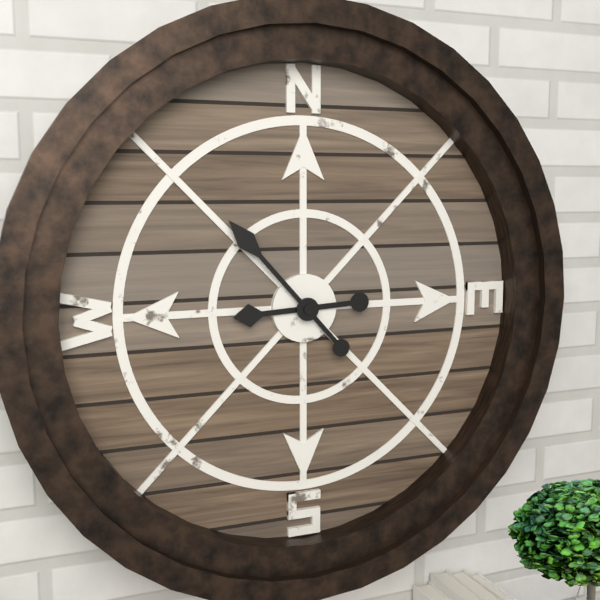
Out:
8 h 53 min
